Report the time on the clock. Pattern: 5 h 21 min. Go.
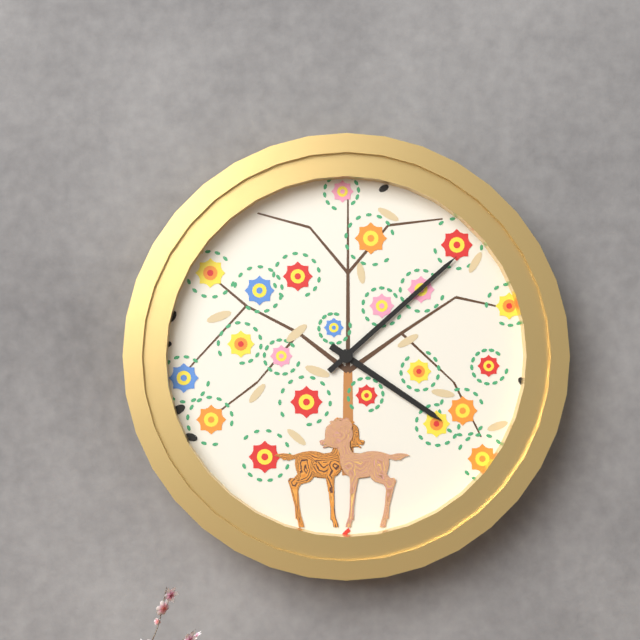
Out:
4 h 08 min
